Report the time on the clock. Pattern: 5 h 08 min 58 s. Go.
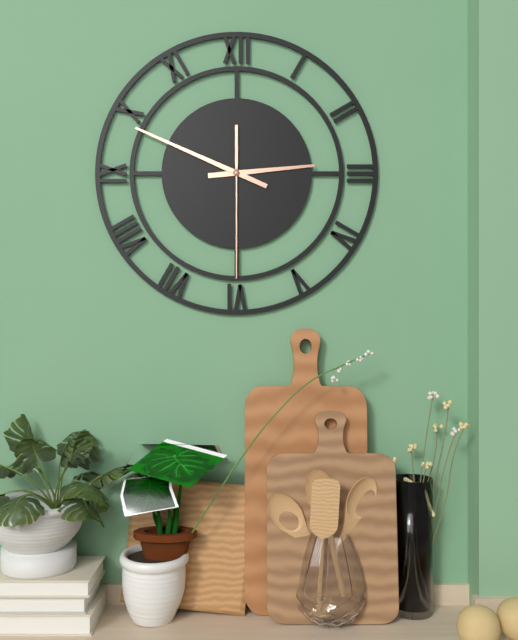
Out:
2 h 49 min 30 s
